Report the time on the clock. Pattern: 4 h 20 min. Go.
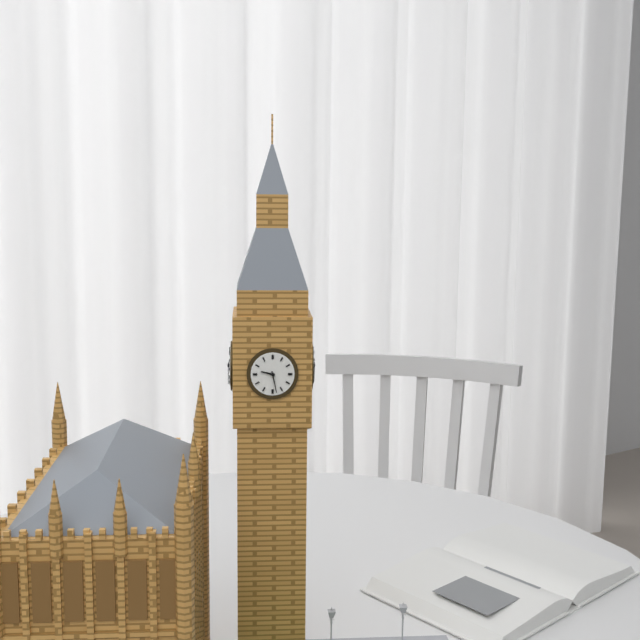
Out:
9 h 28 min
